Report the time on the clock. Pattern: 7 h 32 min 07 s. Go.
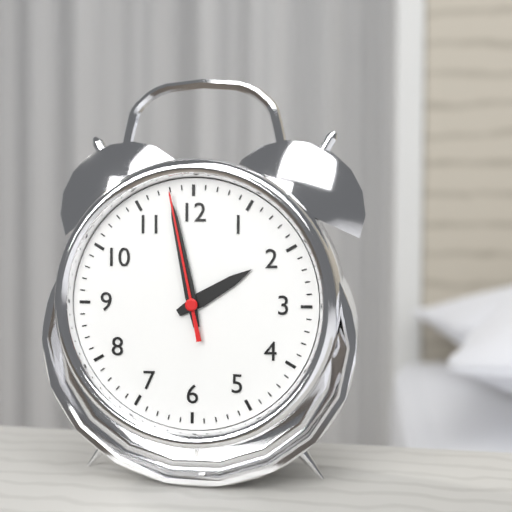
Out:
1 h 58 min 58 s
